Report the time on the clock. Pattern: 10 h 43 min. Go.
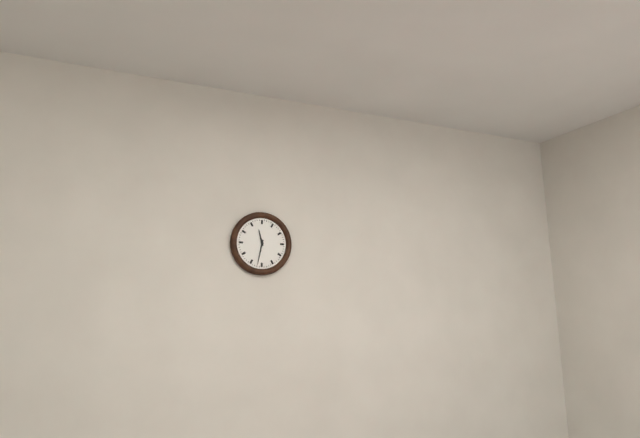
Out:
11 h 32 min
